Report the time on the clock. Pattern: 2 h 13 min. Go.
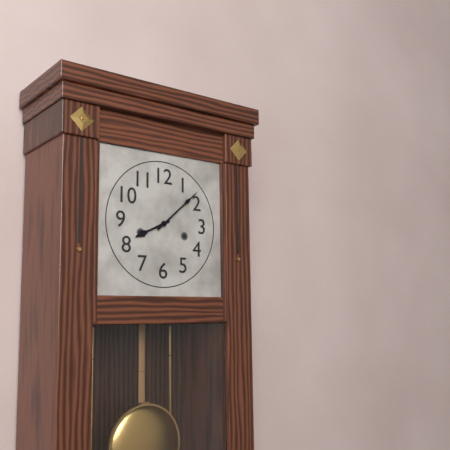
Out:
8 h 08 min
